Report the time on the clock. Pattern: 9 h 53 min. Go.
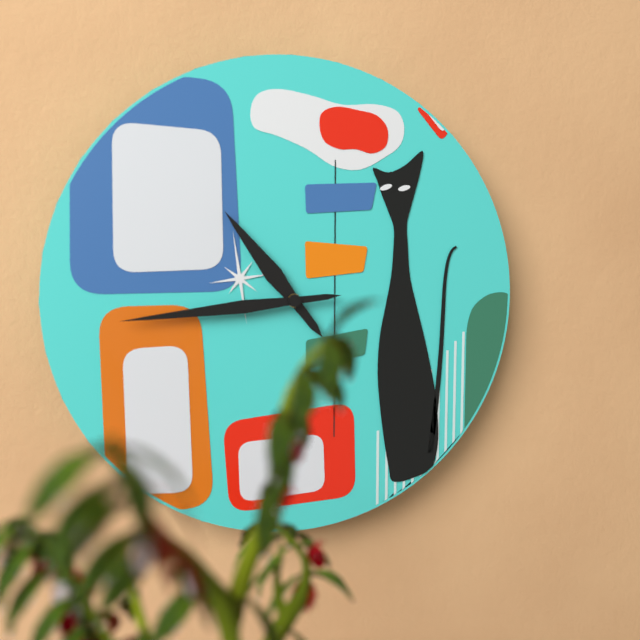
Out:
10 h 44 min
